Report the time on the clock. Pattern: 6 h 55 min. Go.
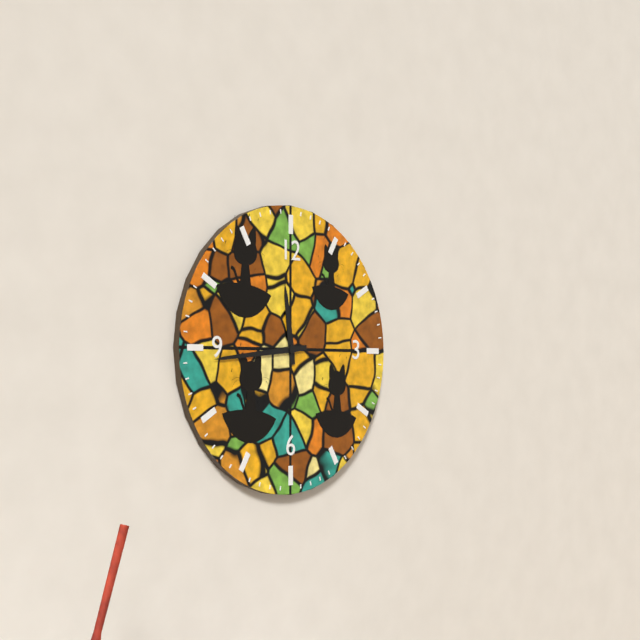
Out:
11 h 44 min
